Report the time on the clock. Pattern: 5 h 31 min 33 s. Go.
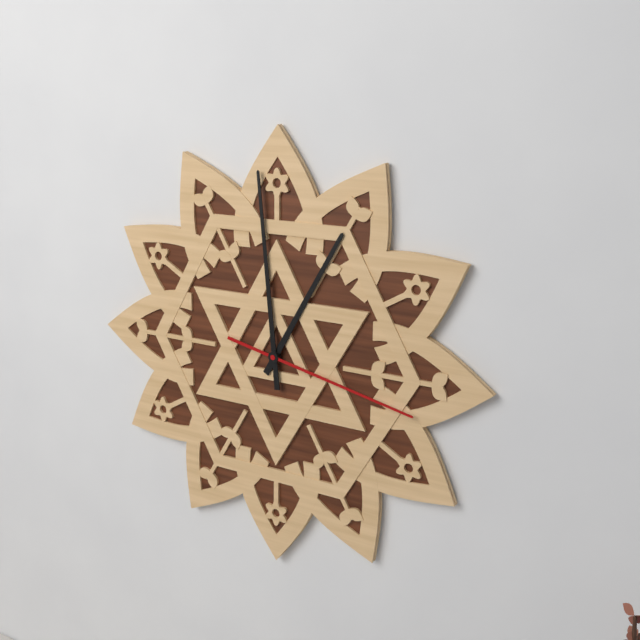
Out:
12 h 59 min 17 s
